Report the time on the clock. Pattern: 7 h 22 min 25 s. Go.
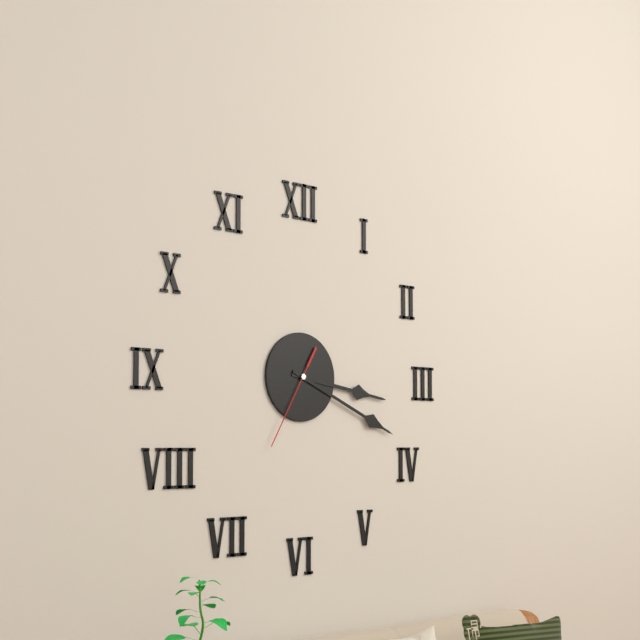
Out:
3 h 19 min 35 s
